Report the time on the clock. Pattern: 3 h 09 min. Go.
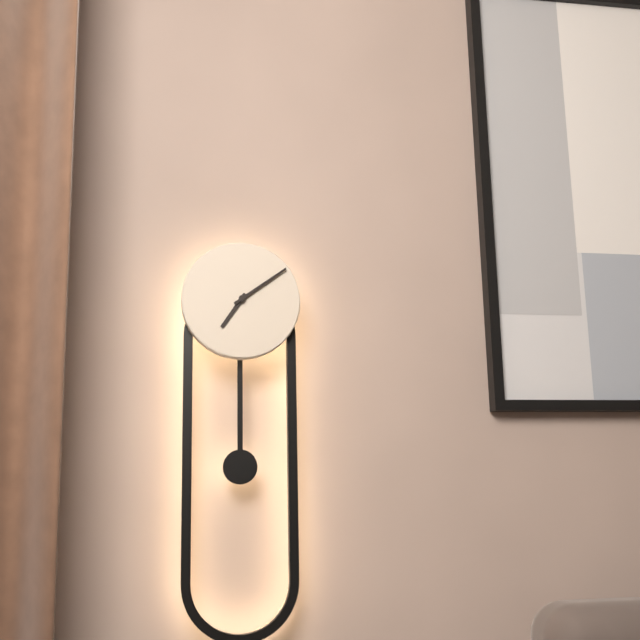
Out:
7 h 09 min
